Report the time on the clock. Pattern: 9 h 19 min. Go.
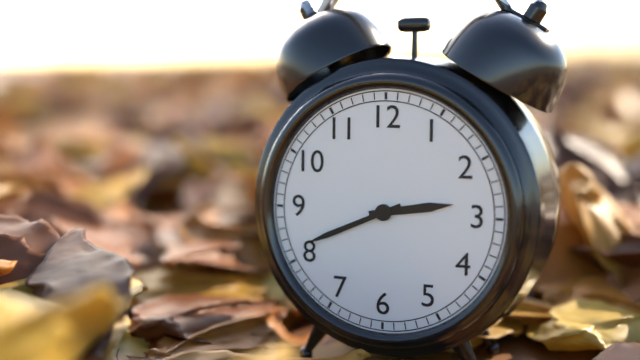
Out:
2 h 41 min
